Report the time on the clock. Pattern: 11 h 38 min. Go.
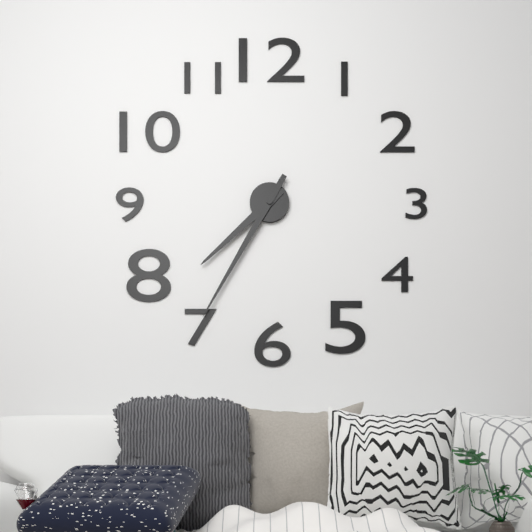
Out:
7 h 35 min
